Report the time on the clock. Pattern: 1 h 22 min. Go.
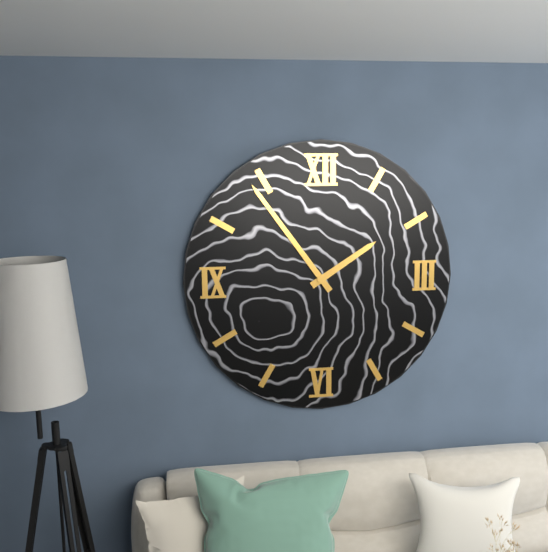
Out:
1 h 54 min
